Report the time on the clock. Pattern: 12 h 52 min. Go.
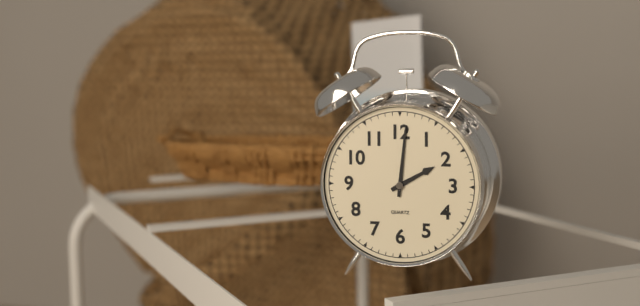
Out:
2 h 01 min
